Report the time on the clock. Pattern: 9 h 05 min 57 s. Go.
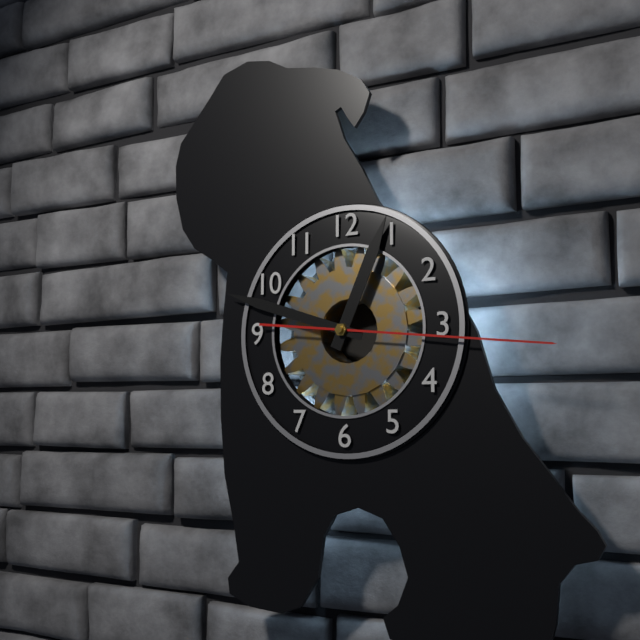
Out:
12 h 48 min 16 s
